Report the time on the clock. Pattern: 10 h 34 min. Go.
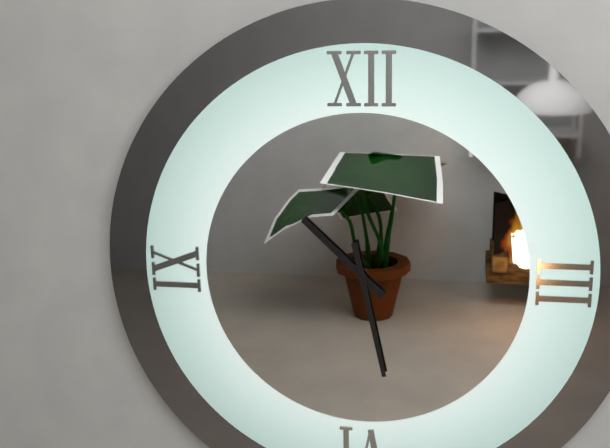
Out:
10 h 28 min
